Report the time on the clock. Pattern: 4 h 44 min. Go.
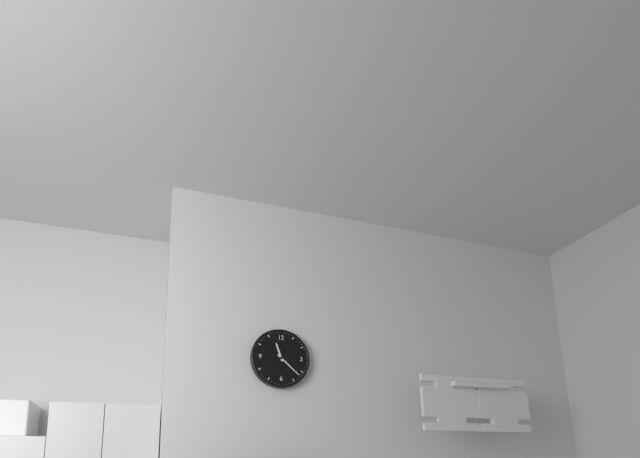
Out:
11 h 22 min
